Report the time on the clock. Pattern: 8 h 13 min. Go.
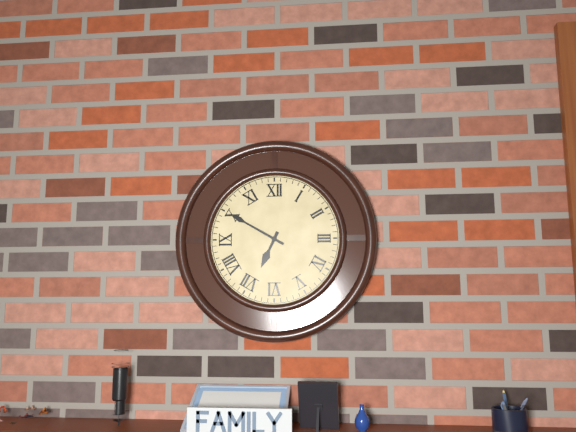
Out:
6 h 50 min
